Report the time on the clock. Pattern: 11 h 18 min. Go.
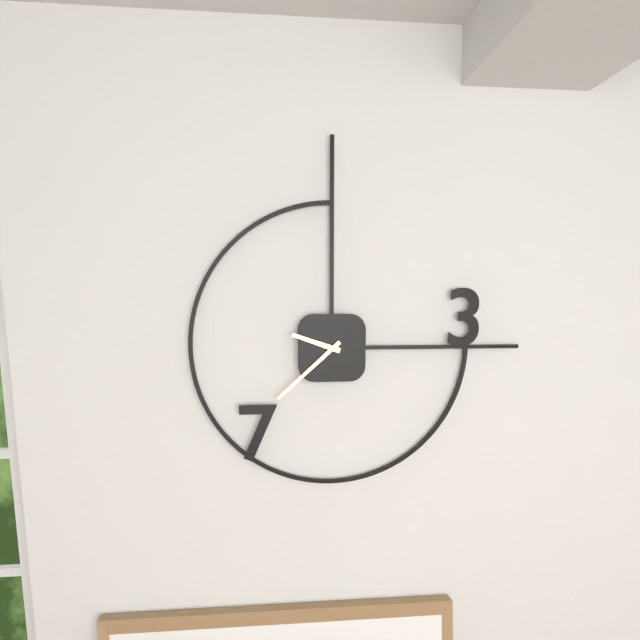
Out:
9 h 38 min
